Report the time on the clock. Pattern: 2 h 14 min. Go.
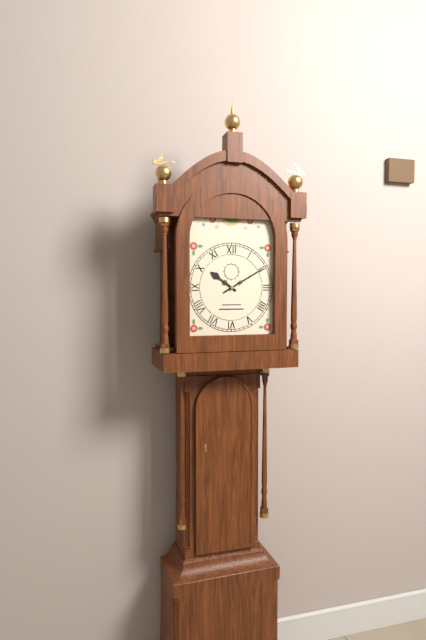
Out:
10 h 10 min
